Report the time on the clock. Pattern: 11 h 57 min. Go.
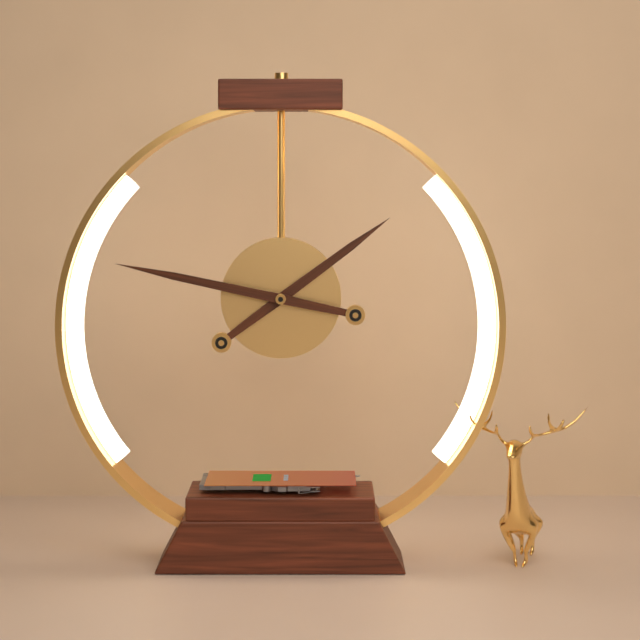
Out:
1 h 47 min
